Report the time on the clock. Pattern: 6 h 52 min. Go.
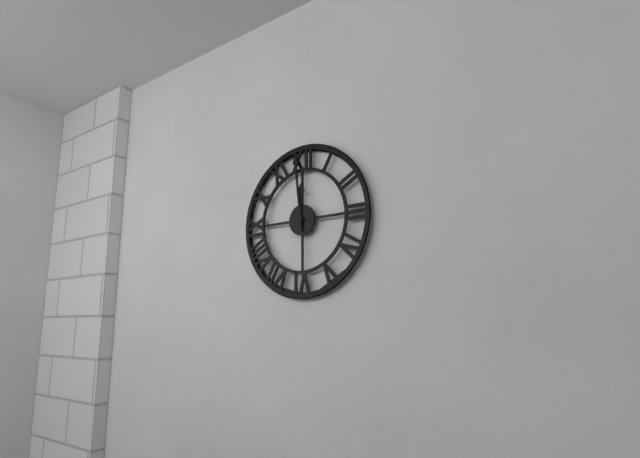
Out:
11 h 59 min
